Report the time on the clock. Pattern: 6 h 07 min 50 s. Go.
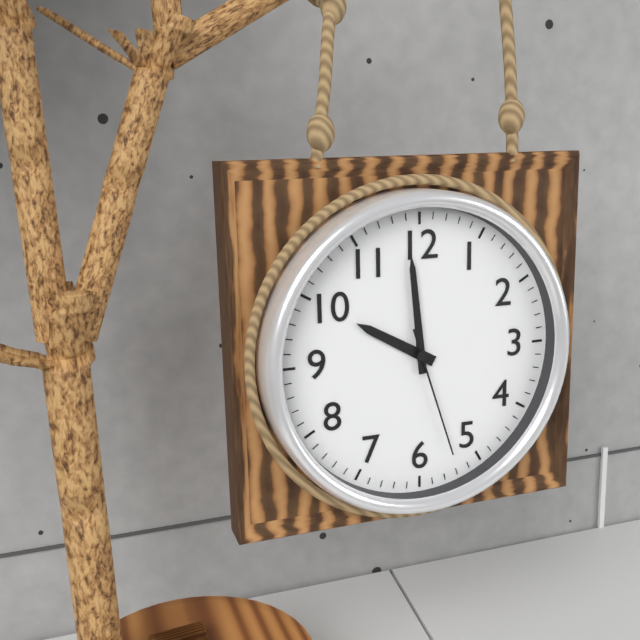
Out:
9 h 59 min 27 s
